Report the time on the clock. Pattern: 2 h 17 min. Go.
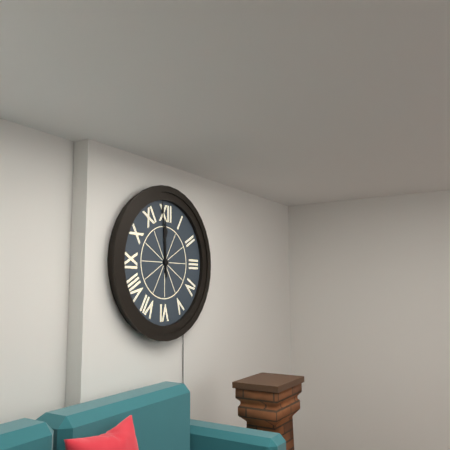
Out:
11 h 59 min
